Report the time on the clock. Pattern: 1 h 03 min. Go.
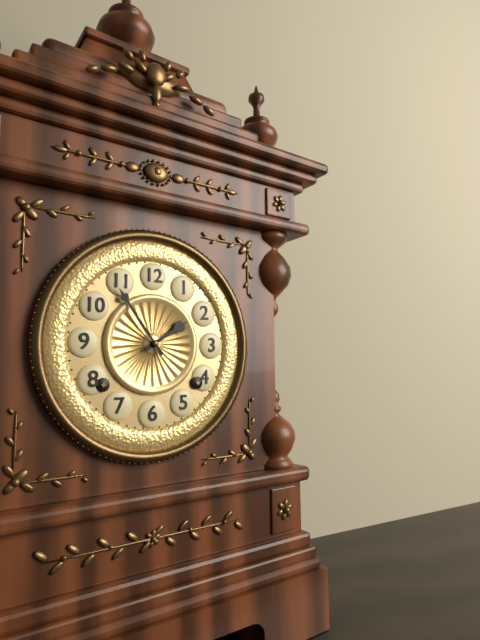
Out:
1 h 54 min
